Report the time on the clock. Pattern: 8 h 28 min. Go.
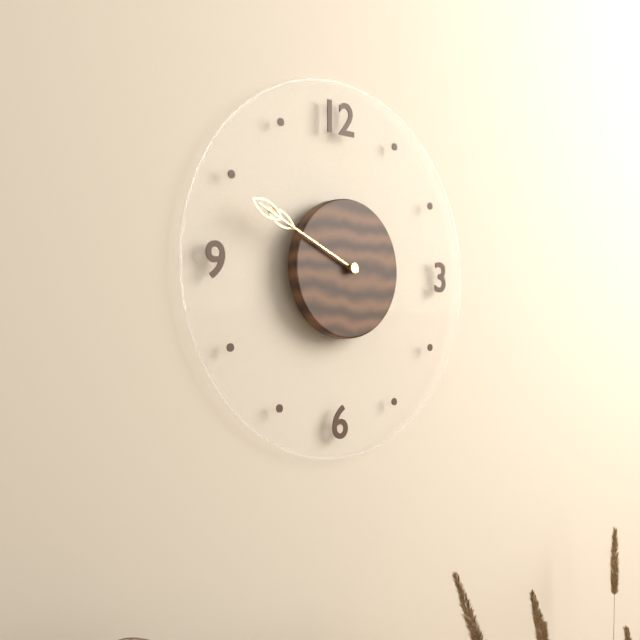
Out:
9 h 49 min
